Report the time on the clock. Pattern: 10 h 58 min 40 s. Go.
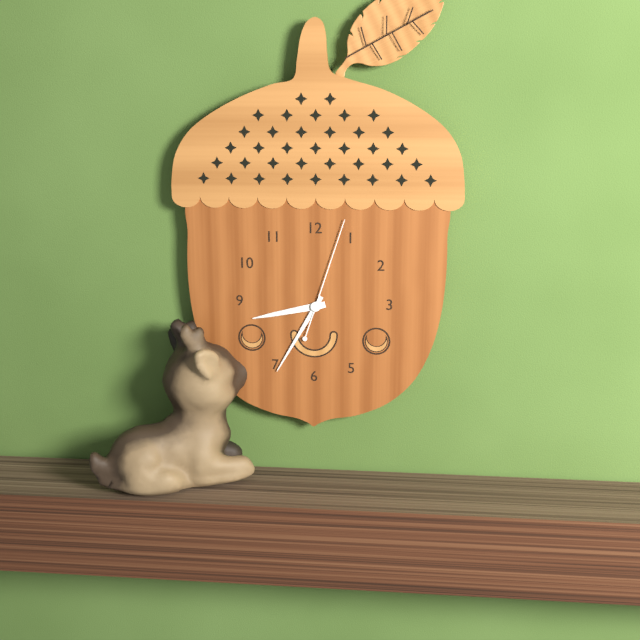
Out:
8 h 35 min 03 s
